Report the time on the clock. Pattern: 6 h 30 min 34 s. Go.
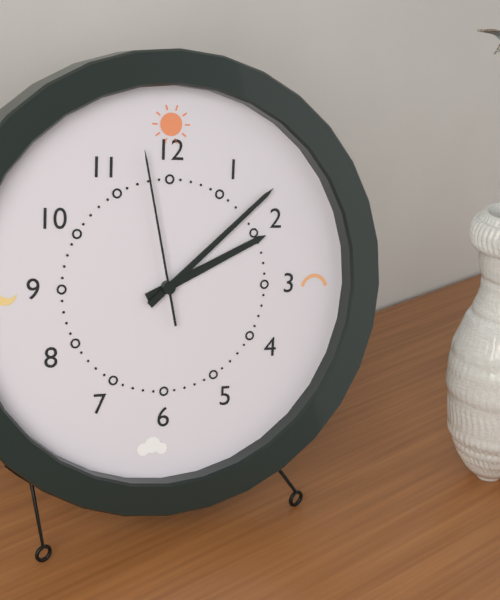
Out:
2 h 08 min 58 s
